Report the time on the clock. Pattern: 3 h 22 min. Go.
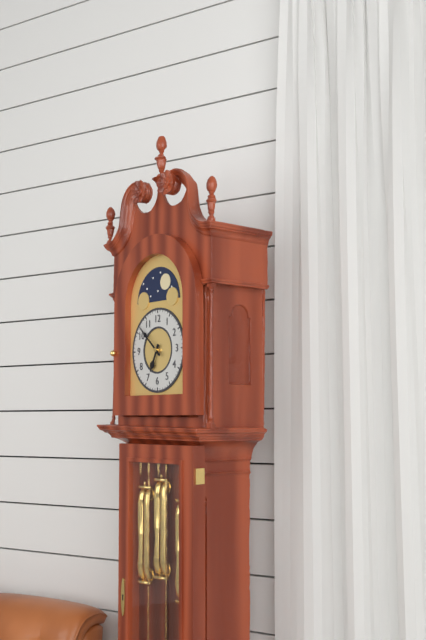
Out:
6 h 52 min
